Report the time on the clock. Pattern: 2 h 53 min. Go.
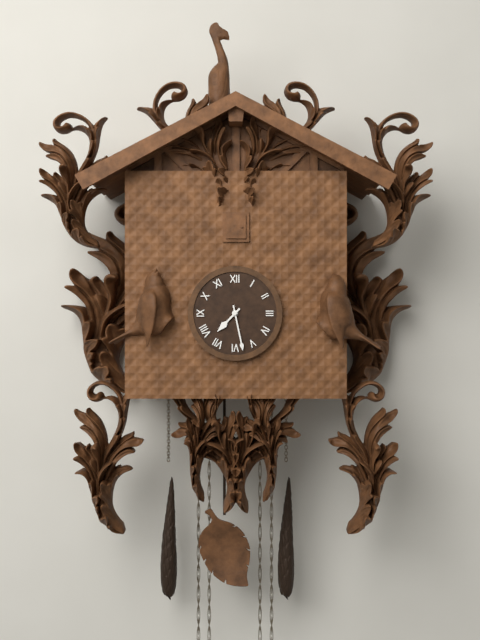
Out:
7 h 28 min
